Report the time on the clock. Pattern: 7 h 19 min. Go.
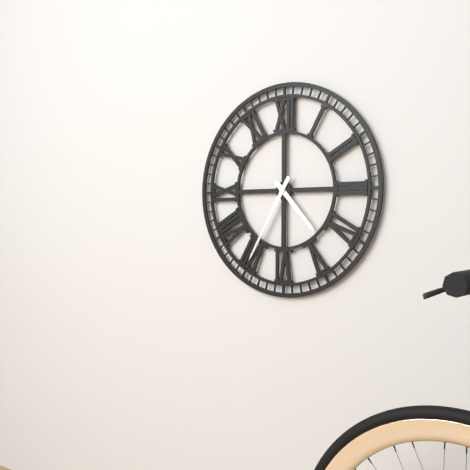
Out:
4 h 35 min
